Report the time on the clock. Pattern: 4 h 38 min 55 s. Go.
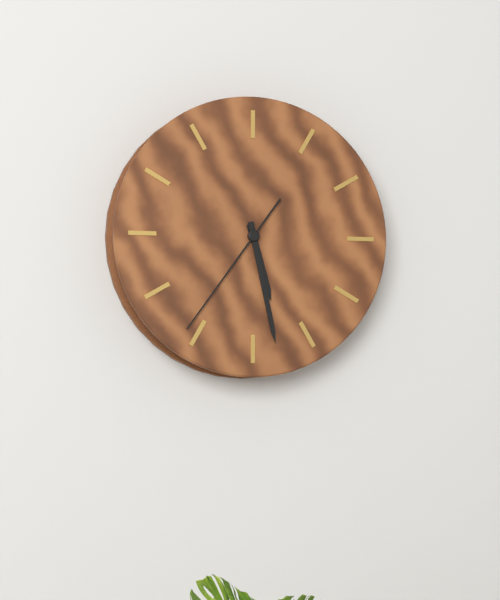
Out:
5 h 28 min 36 s
